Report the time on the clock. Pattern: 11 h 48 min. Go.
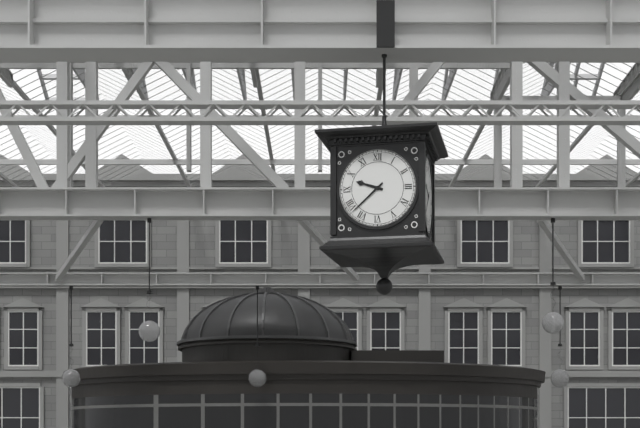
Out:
9 h 38 min
